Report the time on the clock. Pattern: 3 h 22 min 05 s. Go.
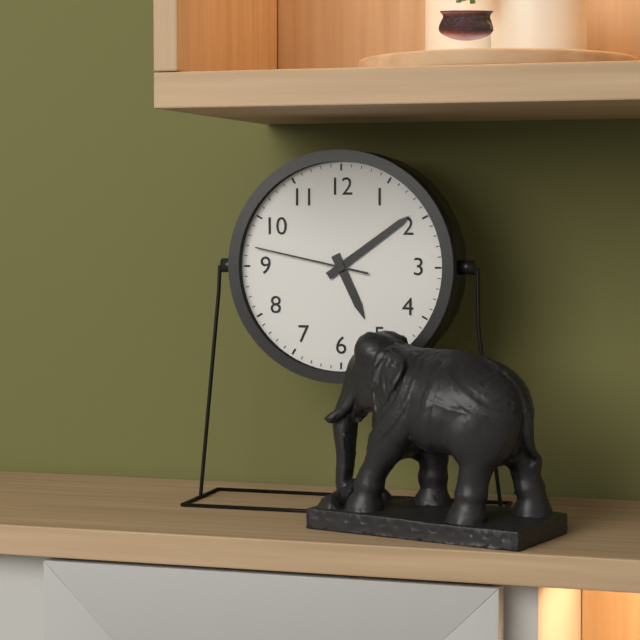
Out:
5 h 09 min 47 s
